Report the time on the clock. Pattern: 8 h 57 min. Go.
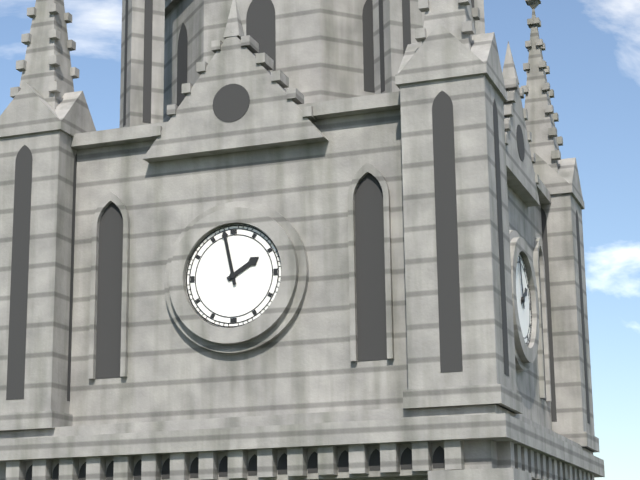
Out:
1 h 58 min
